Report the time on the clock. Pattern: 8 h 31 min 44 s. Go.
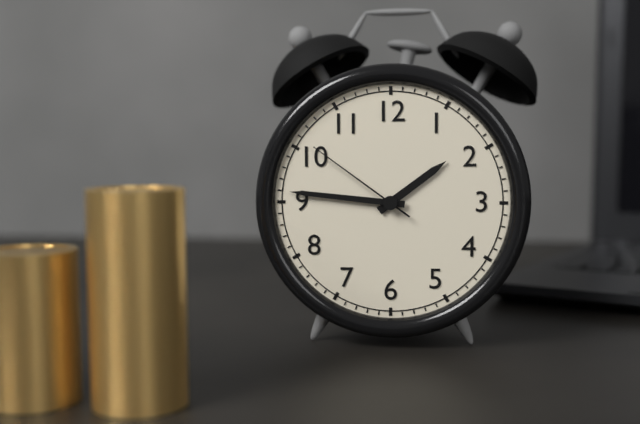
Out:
1 h 46 min 51 s
